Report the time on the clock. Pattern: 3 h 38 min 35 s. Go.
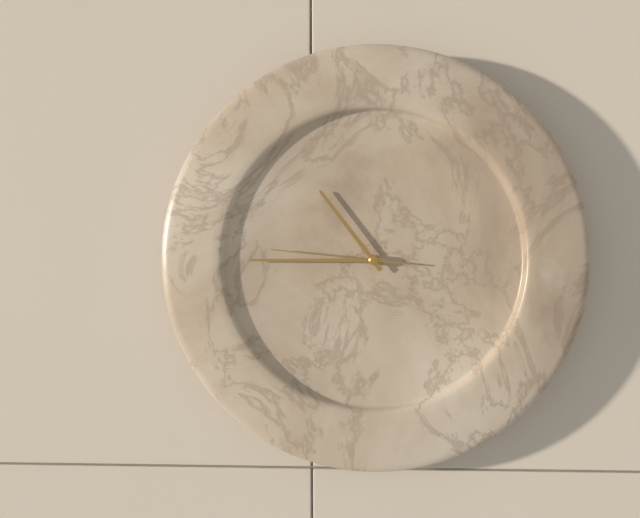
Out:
10 h 45 min 46 s
